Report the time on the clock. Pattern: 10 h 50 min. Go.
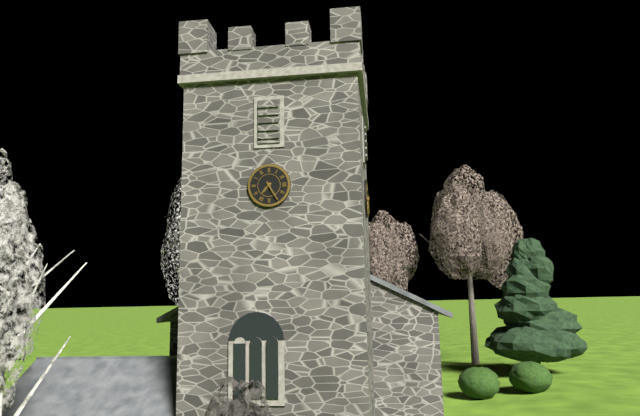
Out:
7 h 25 min
